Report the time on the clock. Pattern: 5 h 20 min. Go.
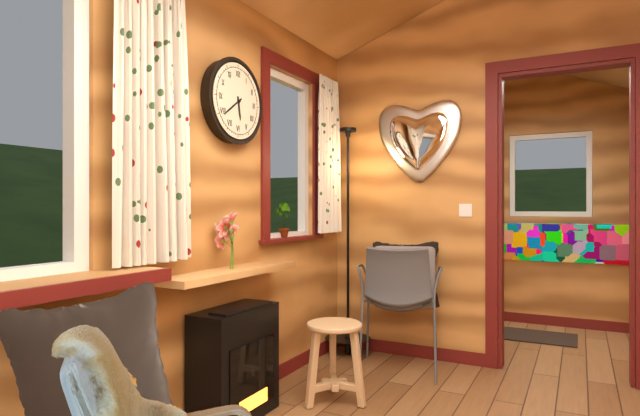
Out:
5 h 39 min
